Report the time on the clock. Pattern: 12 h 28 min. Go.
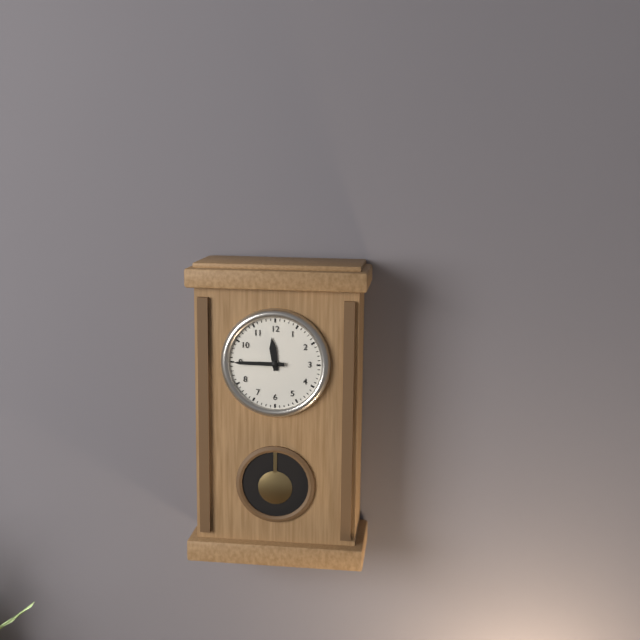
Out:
11 h 45 min
